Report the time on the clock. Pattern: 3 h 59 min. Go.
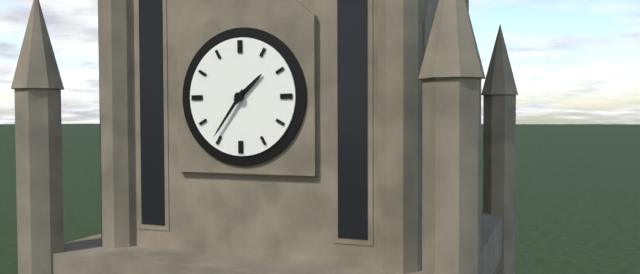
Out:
1 h 36 min
